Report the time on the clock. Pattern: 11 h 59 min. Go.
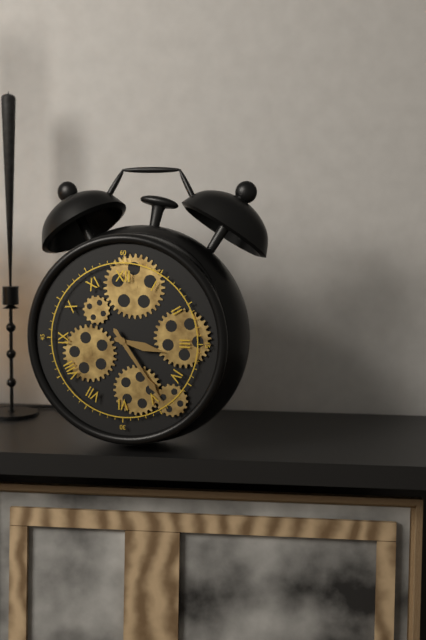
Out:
3 h 24 min
